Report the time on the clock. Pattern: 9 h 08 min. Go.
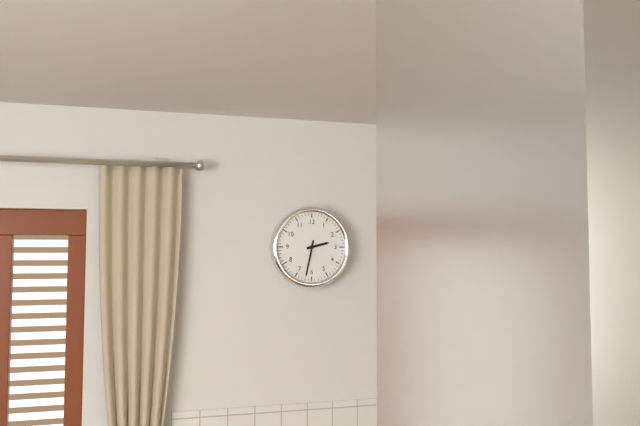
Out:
2 h 32 min
